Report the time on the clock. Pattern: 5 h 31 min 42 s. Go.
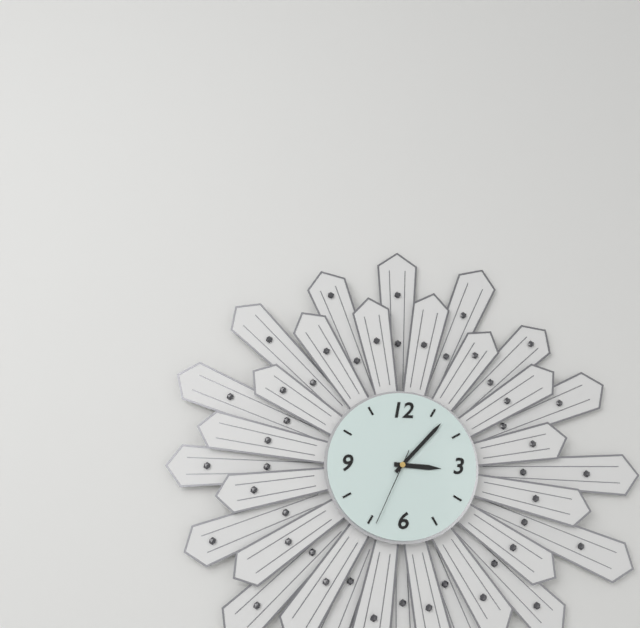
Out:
3 h 07 min 34 s
